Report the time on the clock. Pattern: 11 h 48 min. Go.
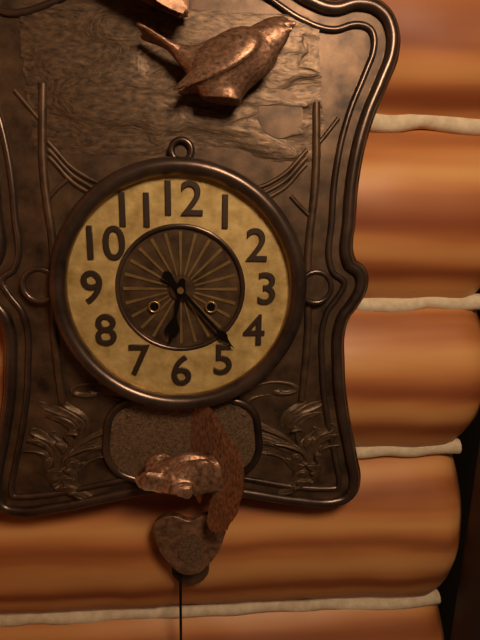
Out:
6 h 23 min
